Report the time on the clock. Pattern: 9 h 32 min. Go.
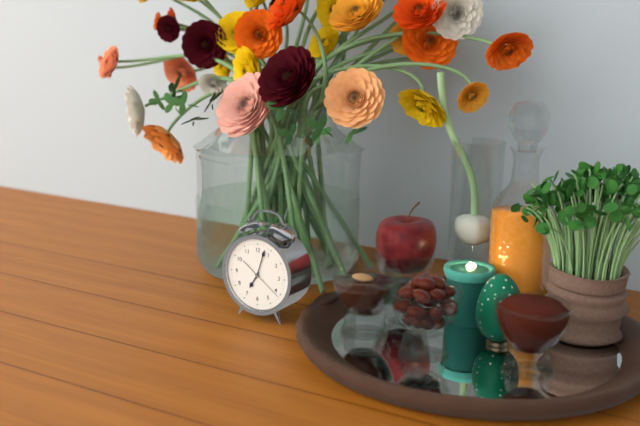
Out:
7 h 03 min
